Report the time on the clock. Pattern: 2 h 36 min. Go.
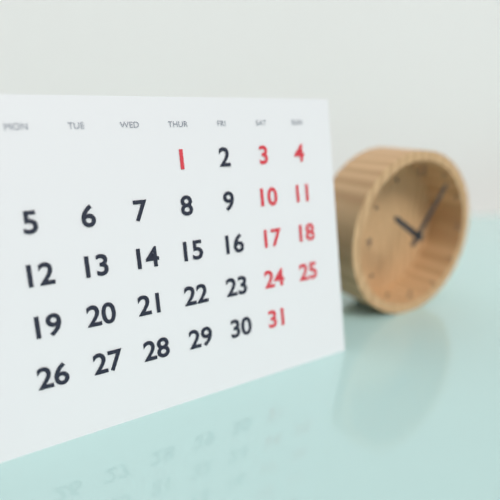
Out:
10 h 06 min
